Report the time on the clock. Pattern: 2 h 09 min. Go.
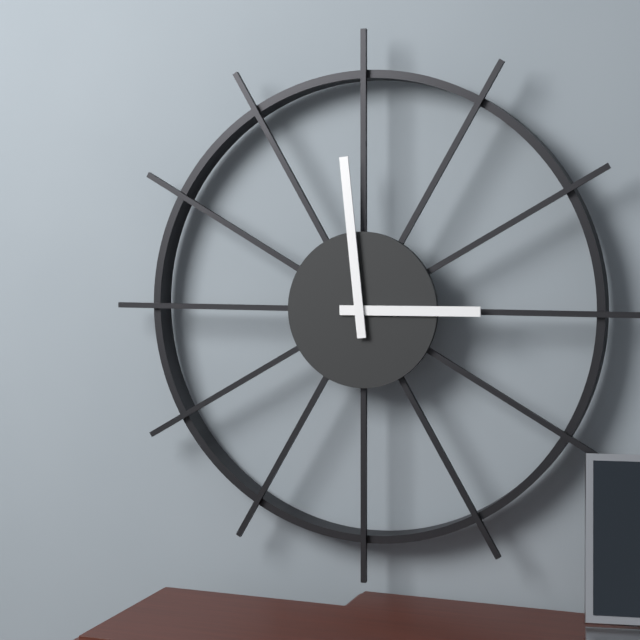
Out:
2 h 59 min
